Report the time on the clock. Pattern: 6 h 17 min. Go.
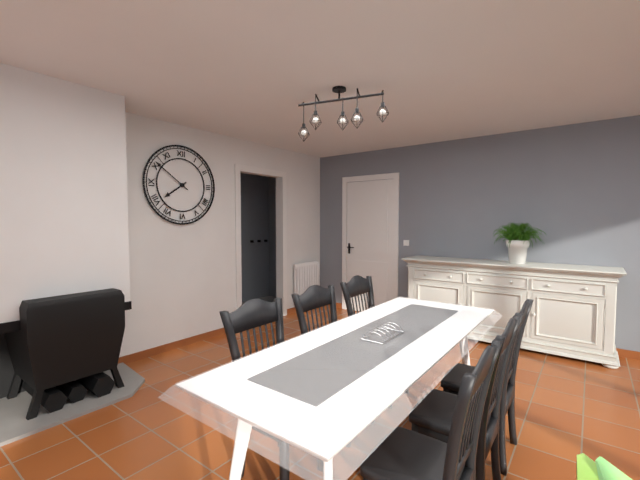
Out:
7 h 51 min
